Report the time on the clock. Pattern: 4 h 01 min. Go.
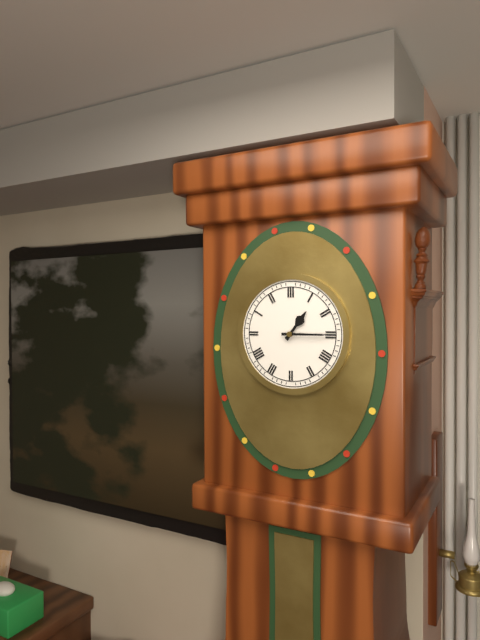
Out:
1 h 15 min
